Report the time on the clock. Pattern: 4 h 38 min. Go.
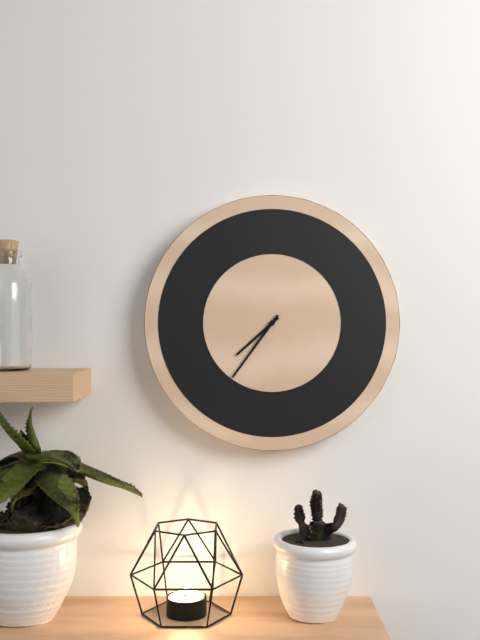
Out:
7 h 36 min
